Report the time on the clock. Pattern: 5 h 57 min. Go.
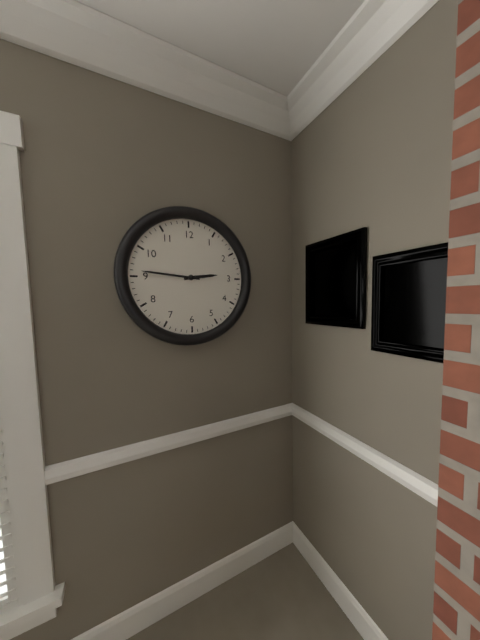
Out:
2 h 46 min
